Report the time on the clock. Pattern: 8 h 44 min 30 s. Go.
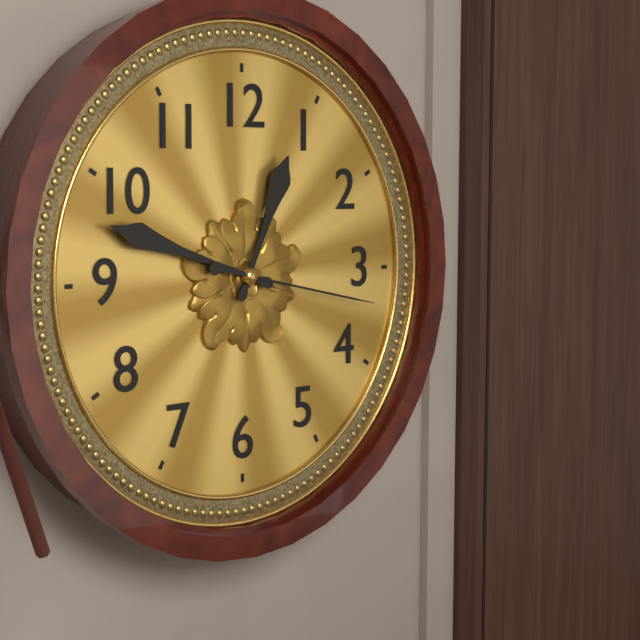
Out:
12 h 48 min 17 s
